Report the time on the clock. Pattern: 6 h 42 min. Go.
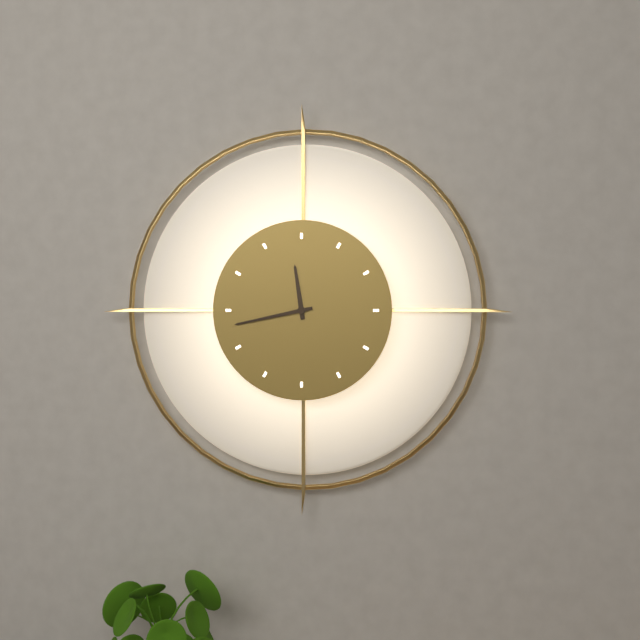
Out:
11 h 43 min
